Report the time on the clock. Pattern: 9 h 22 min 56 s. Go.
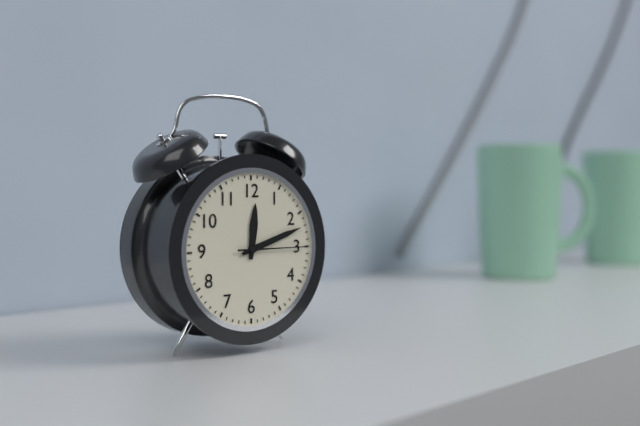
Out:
12 h 12 min 15 s
